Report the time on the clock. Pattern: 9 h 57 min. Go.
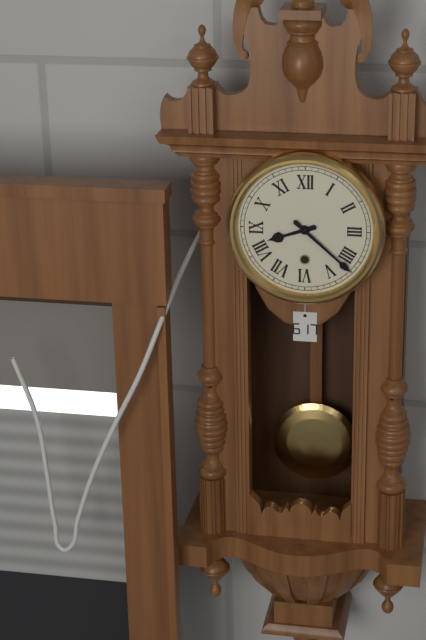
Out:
8 h 22 min
